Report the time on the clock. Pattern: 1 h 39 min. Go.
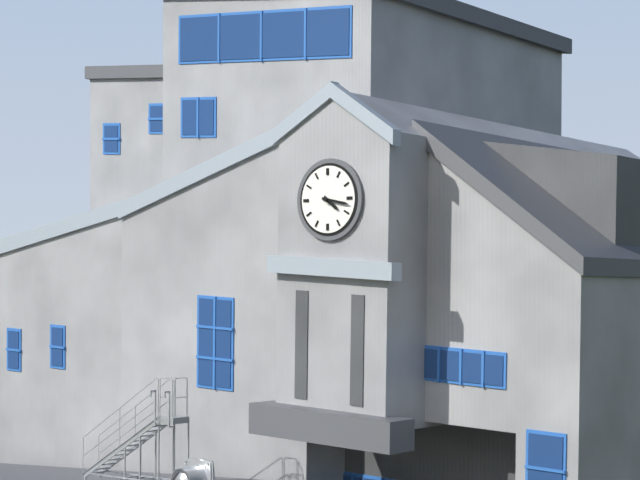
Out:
4 h 17 min
